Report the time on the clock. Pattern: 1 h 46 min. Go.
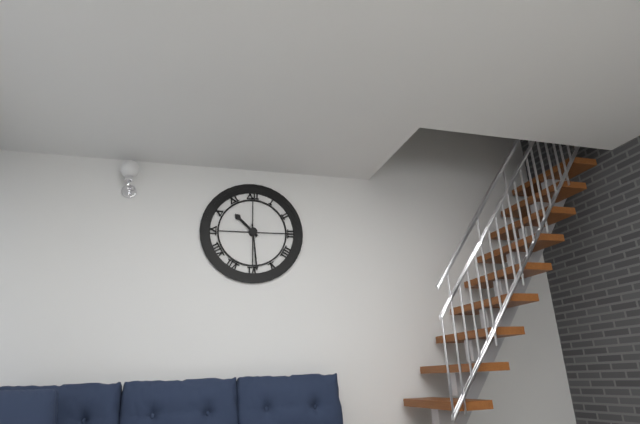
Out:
10 h 29 min
